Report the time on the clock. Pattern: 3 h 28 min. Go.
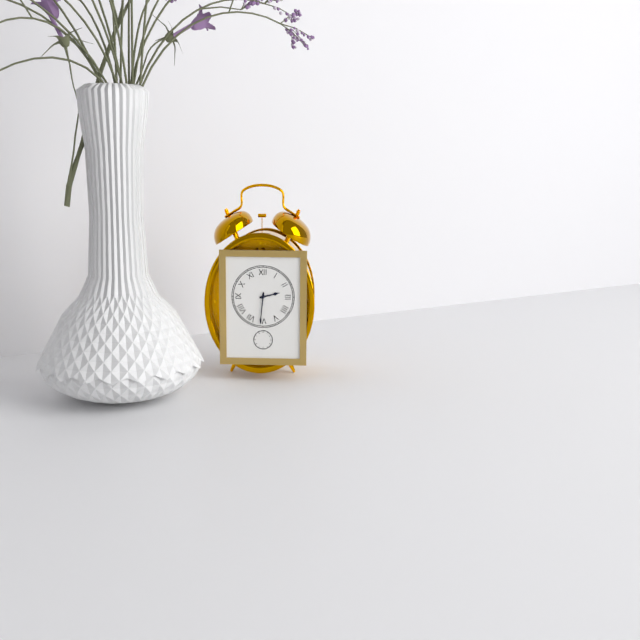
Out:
2 h 31 min
